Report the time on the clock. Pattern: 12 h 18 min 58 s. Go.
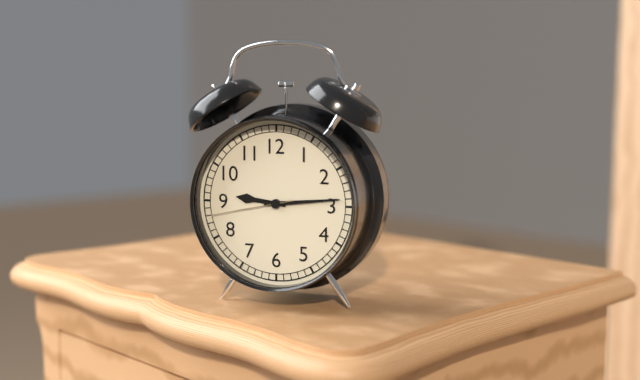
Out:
9 h 14 min 43 s
